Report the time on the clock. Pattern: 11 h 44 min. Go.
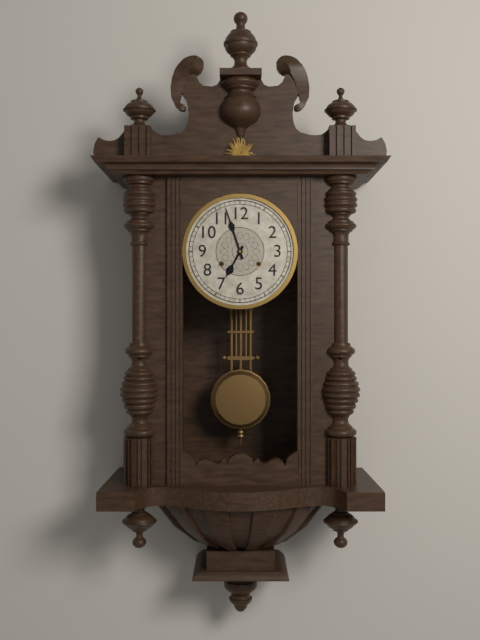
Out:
6 h 57 min
